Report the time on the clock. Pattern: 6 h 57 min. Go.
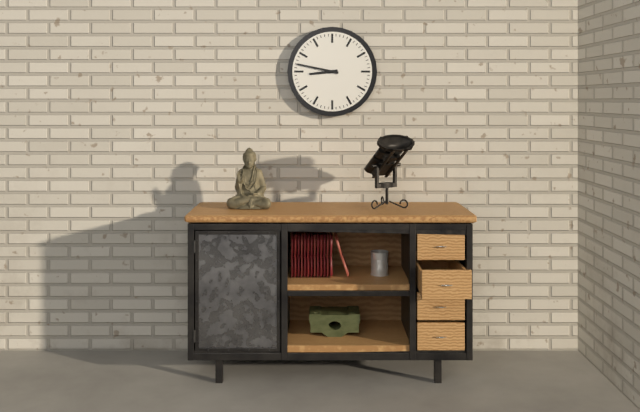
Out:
8 h 47 min
